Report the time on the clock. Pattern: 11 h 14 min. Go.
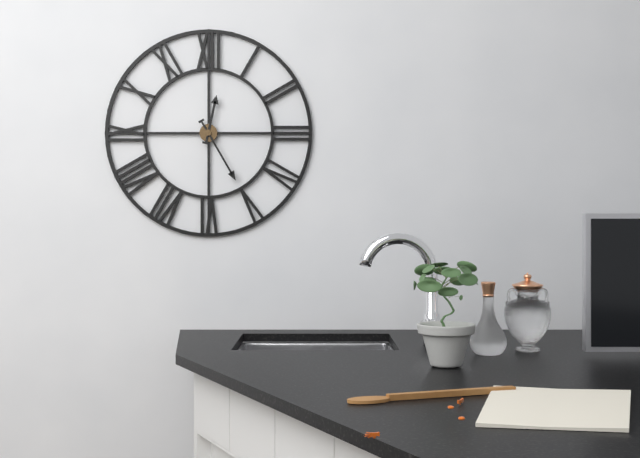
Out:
12 h 25 min
